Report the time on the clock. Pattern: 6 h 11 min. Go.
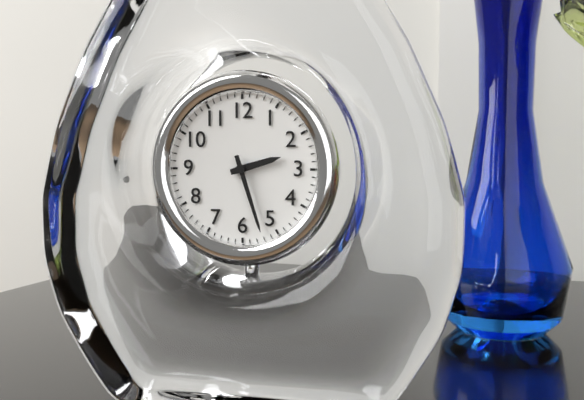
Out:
2 h 27 min
